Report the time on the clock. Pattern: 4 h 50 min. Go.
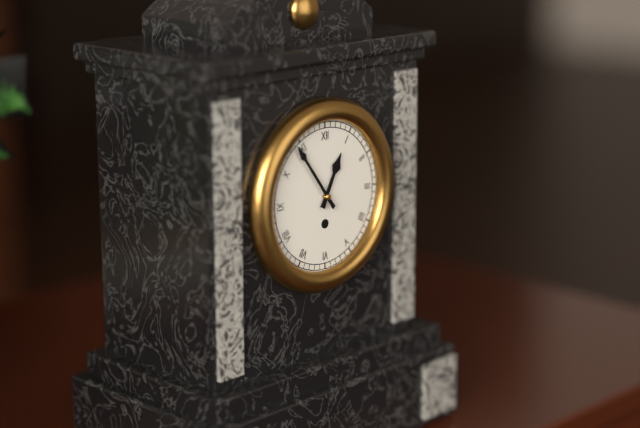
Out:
12 h 54 min
